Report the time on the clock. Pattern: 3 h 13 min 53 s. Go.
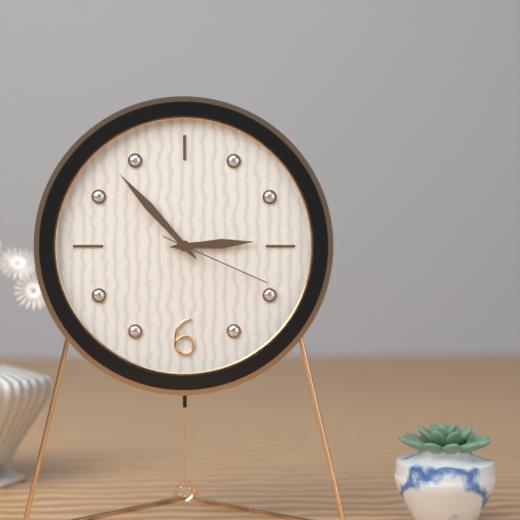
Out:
2 h 53 min 19 s
